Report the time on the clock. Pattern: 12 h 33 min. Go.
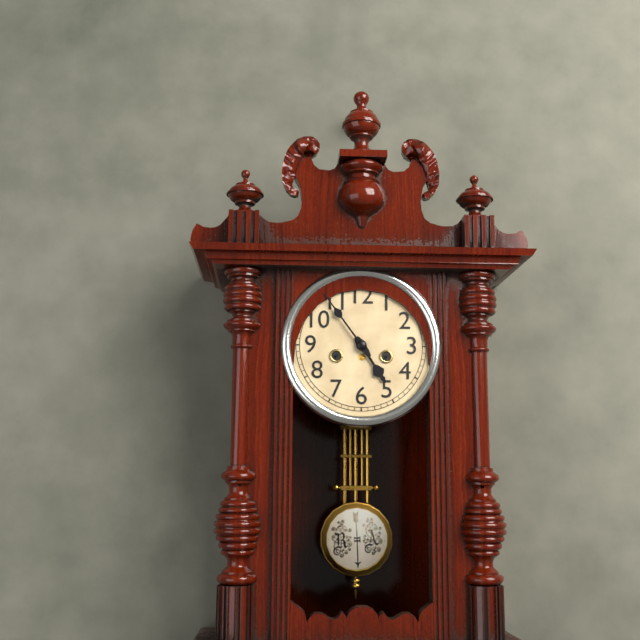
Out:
4 h 54 min
